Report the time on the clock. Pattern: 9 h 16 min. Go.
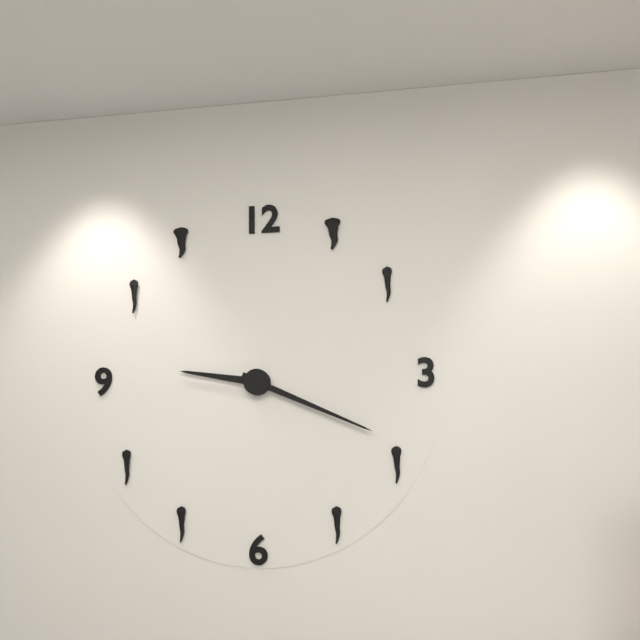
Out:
9 h 19 min
